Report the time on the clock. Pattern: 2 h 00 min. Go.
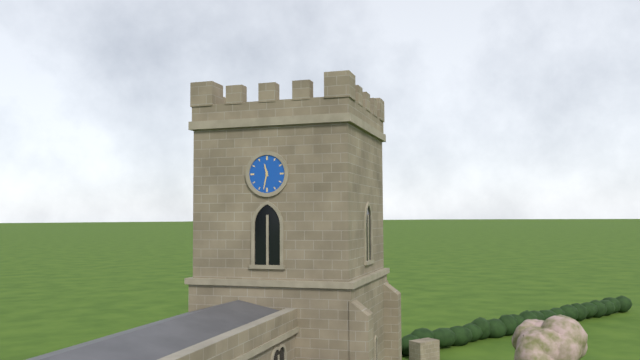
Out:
11 h 32 min
